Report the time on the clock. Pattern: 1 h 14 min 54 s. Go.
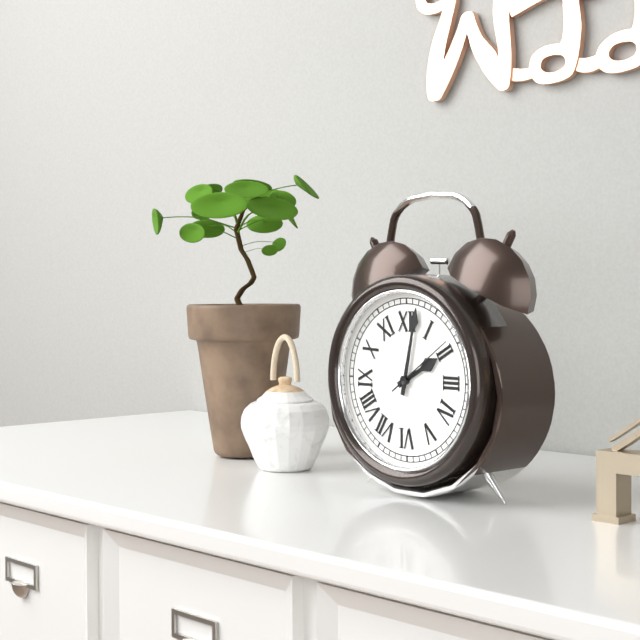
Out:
2 h 02 min 09 s
